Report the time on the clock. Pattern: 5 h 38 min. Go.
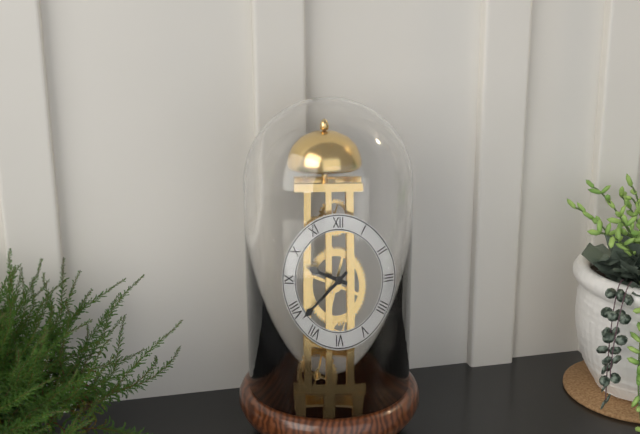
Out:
9 h 38 min
